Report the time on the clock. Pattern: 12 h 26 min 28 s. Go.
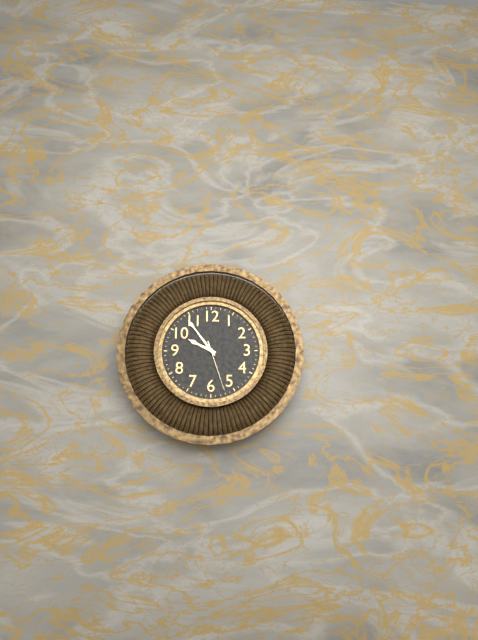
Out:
9 h 54 min 27 s
